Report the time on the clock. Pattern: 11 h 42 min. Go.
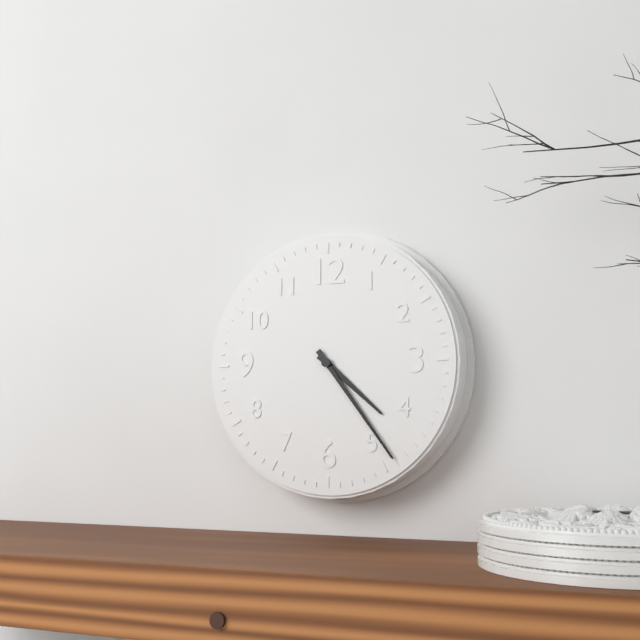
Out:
4 h 24 min
